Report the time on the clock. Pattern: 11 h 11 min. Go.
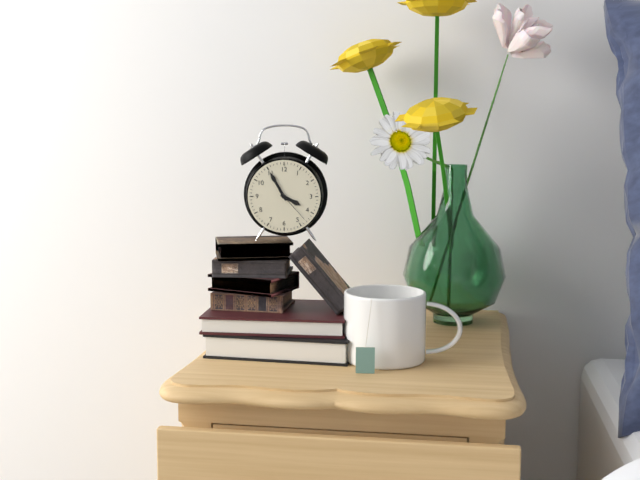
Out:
3 h 55 min
